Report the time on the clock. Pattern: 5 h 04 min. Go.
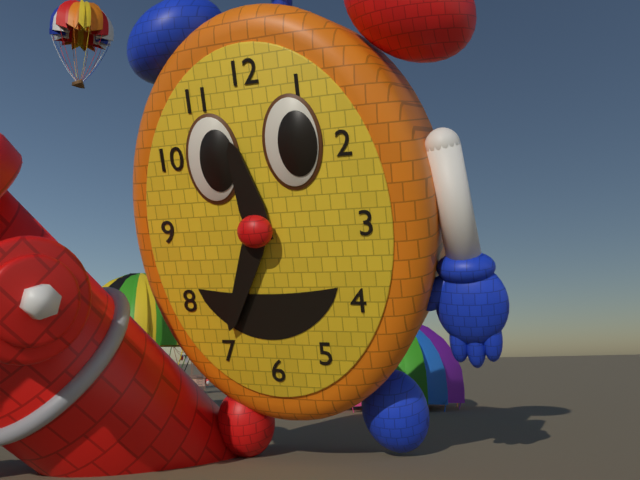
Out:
11 h 34 min
